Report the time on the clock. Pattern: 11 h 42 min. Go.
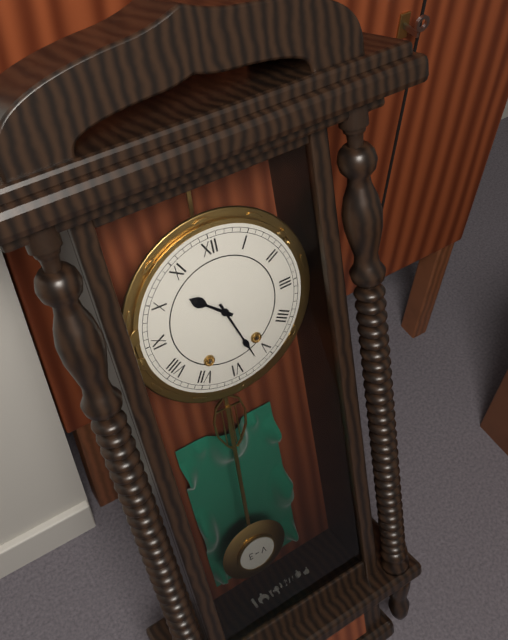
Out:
10 h 27 min
